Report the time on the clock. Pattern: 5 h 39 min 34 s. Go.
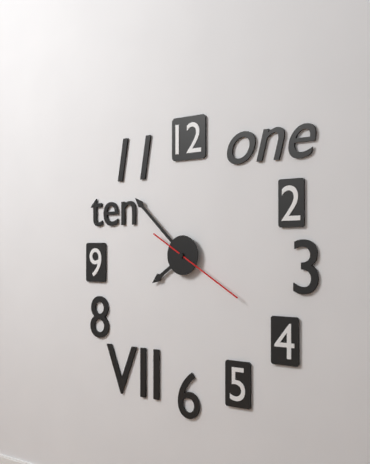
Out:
7 h 52 min 20 s
